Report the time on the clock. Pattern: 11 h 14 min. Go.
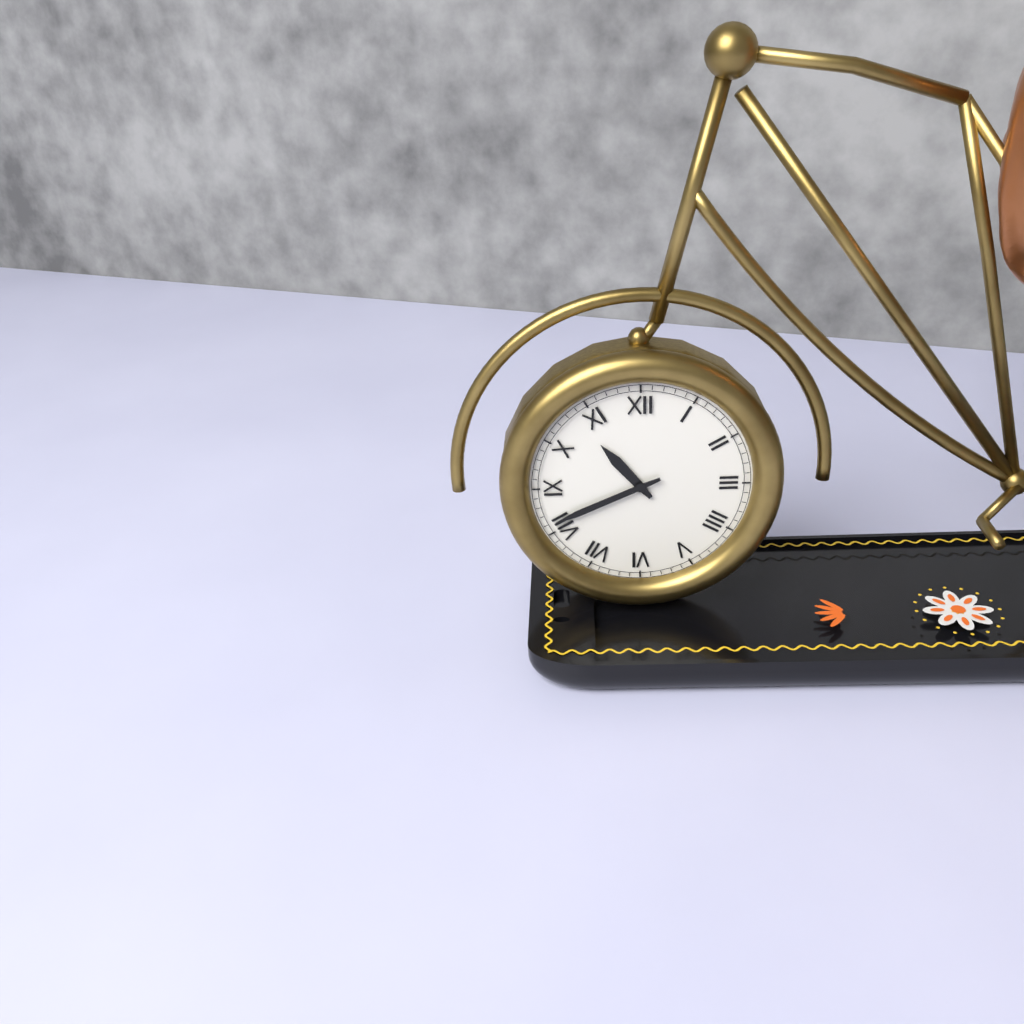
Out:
10 h 41 min
